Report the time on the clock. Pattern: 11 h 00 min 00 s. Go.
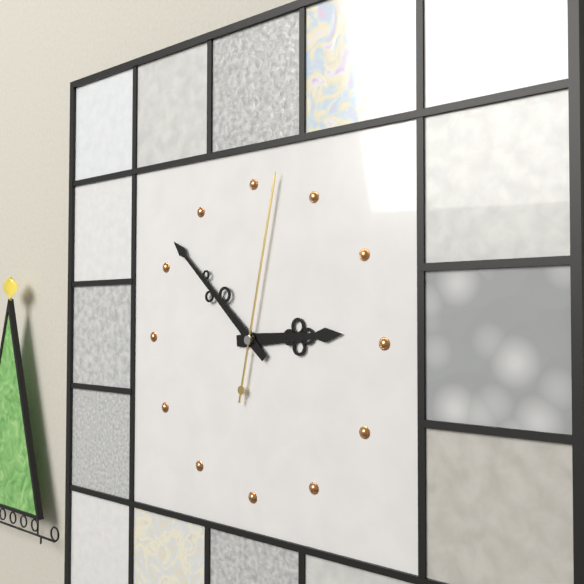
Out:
2 h 52 min 02 s
